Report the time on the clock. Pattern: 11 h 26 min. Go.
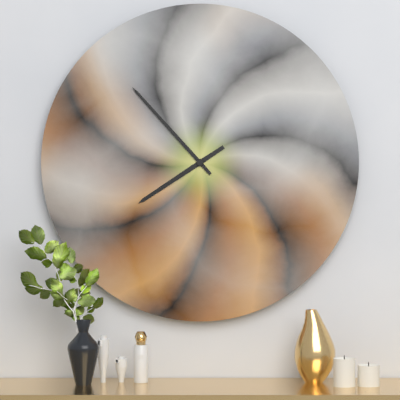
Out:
7 h 53 min
